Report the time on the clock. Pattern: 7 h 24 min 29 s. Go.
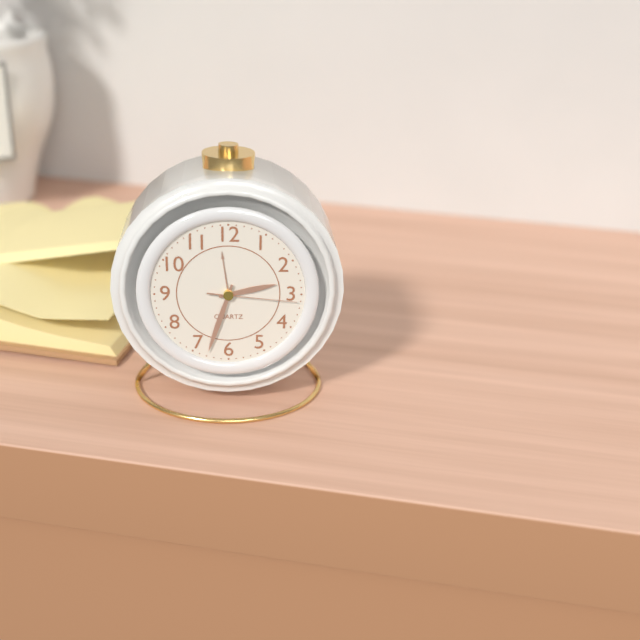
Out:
2 h 33 min 16 s
